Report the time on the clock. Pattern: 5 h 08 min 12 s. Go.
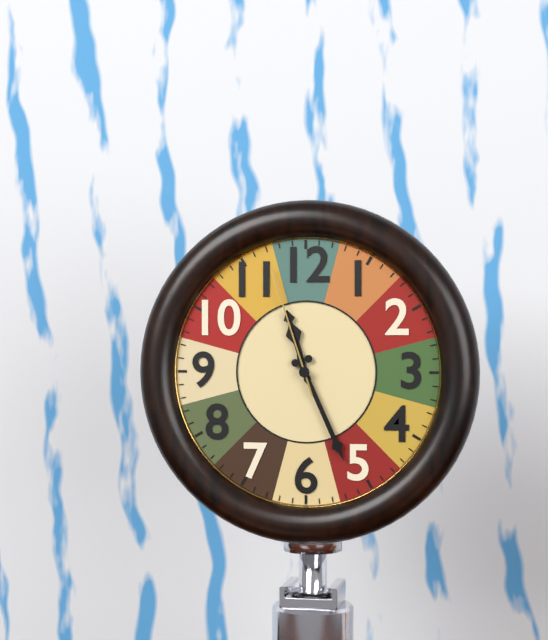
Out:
11 h 26 min 57 s
